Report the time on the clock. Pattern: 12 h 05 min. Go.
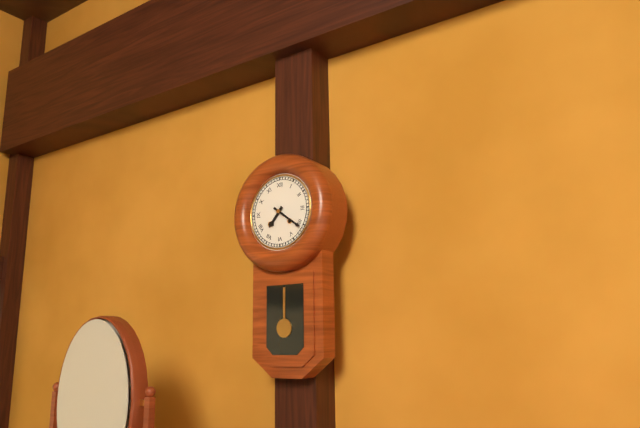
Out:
7 h 21 min
